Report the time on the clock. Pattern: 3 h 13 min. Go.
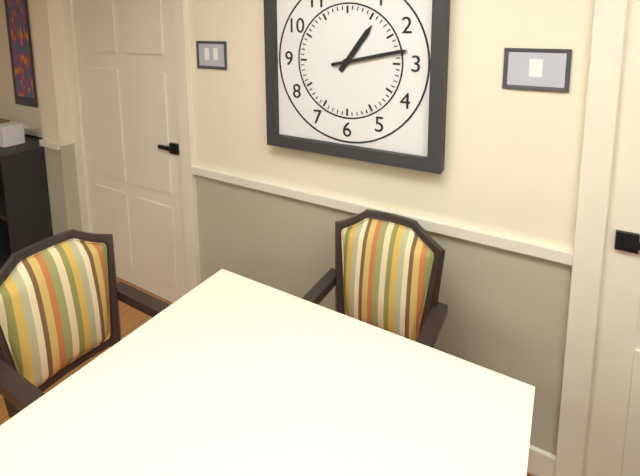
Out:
1 h 13 min
